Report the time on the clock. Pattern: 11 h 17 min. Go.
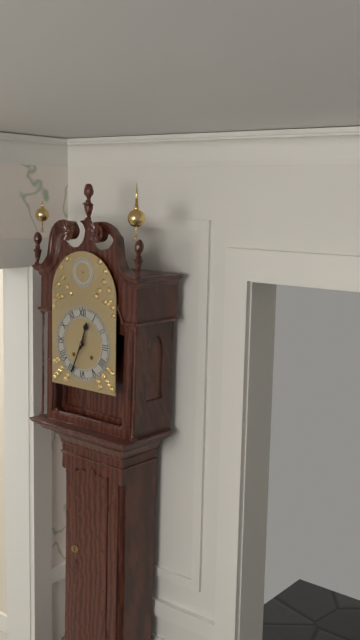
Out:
12 h 34 min
